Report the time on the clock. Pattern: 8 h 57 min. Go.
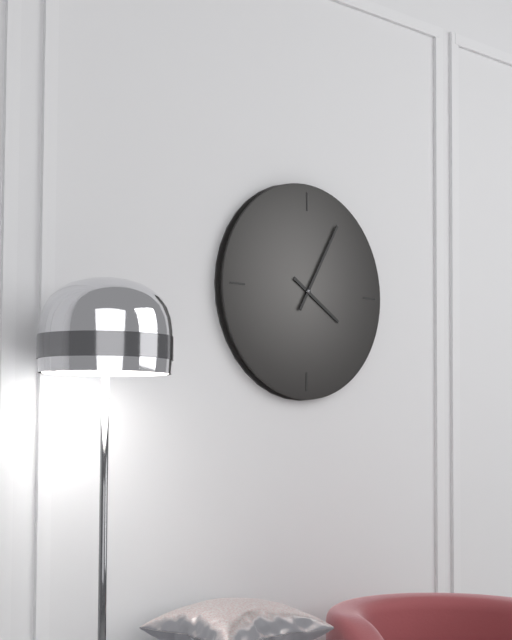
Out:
4 h 05 min
